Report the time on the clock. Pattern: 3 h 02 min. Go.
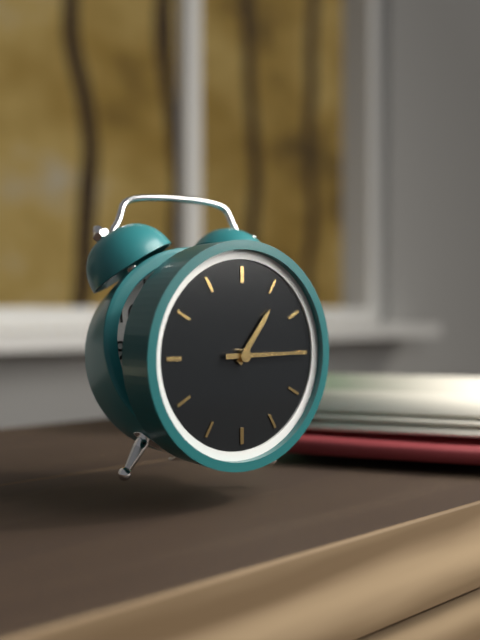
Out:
1 h 15 min
